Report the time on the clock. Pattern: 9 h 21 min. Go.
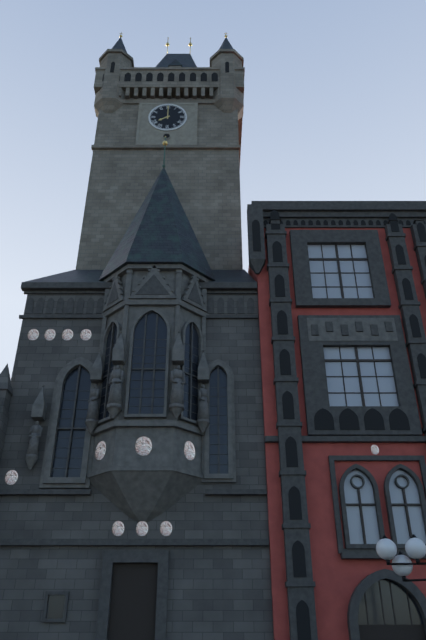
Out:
8 h 00 min
